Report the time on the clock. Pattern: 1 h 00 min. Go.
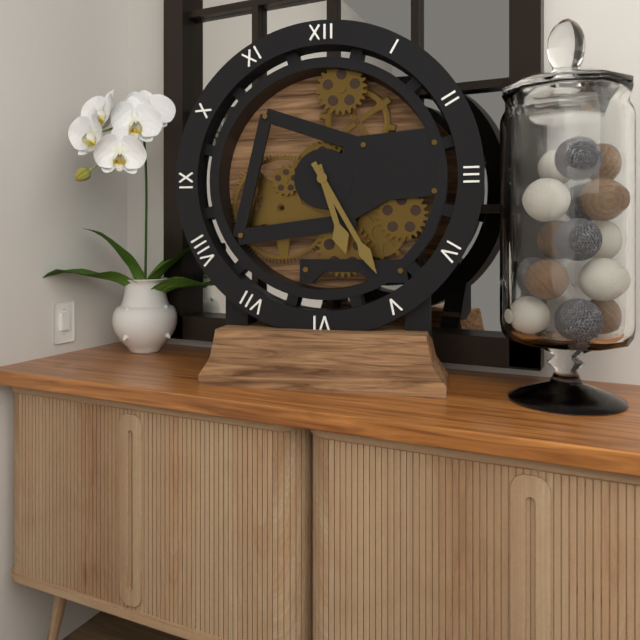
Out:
5 h 25 min
